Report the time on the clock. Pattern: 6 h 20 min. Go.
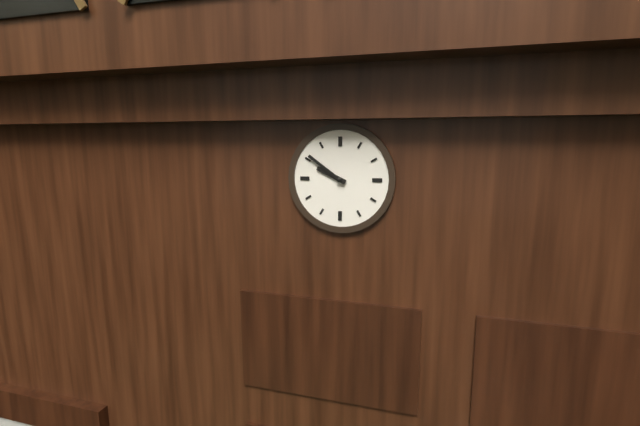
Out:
9 h 51 min
